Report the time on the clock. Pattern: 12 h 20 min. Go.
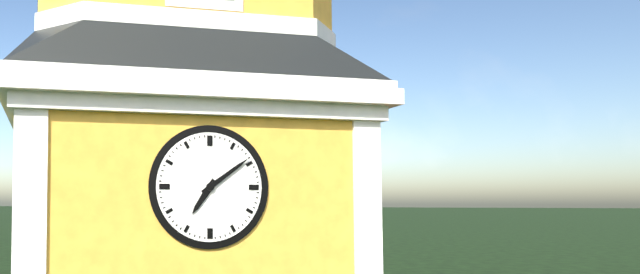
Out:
7 h 09 min
